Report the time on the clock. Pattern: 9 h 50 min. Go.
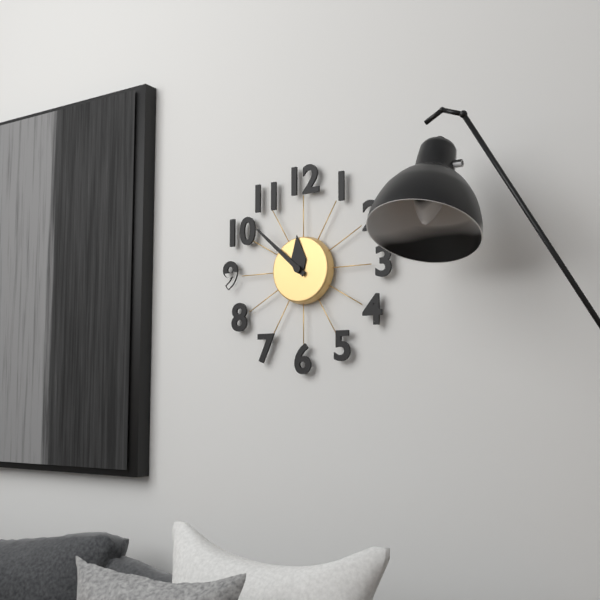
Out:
11 h 52 min
